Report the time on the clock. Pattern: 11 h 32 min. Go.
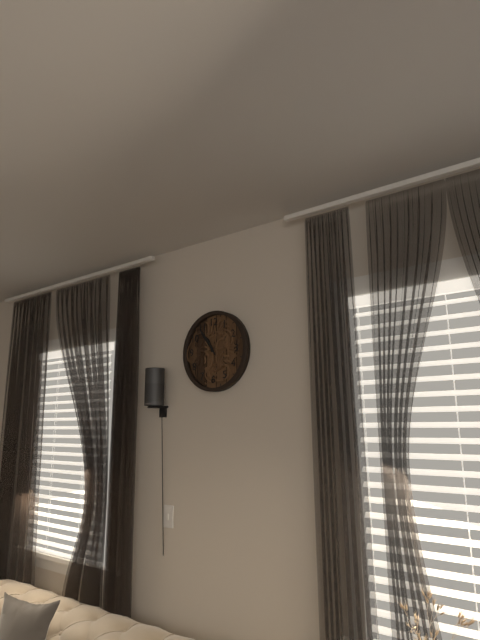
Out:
10 h 54 min
